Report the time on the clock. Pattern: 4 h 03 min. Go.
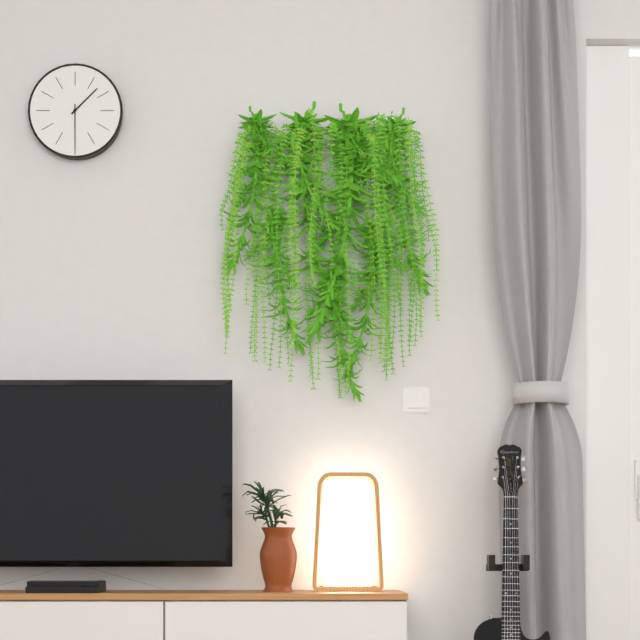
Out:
1 h 30 min
